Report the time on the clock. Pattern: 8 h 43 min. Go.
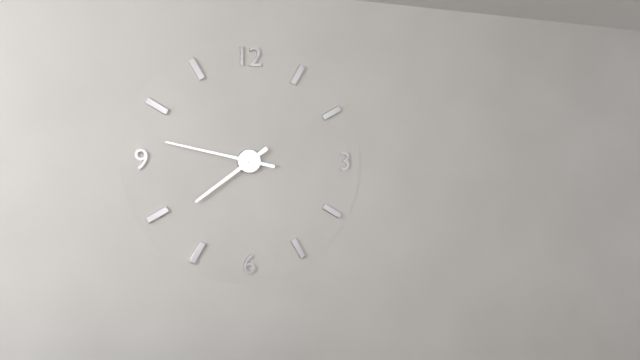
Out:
7 h 47 min
